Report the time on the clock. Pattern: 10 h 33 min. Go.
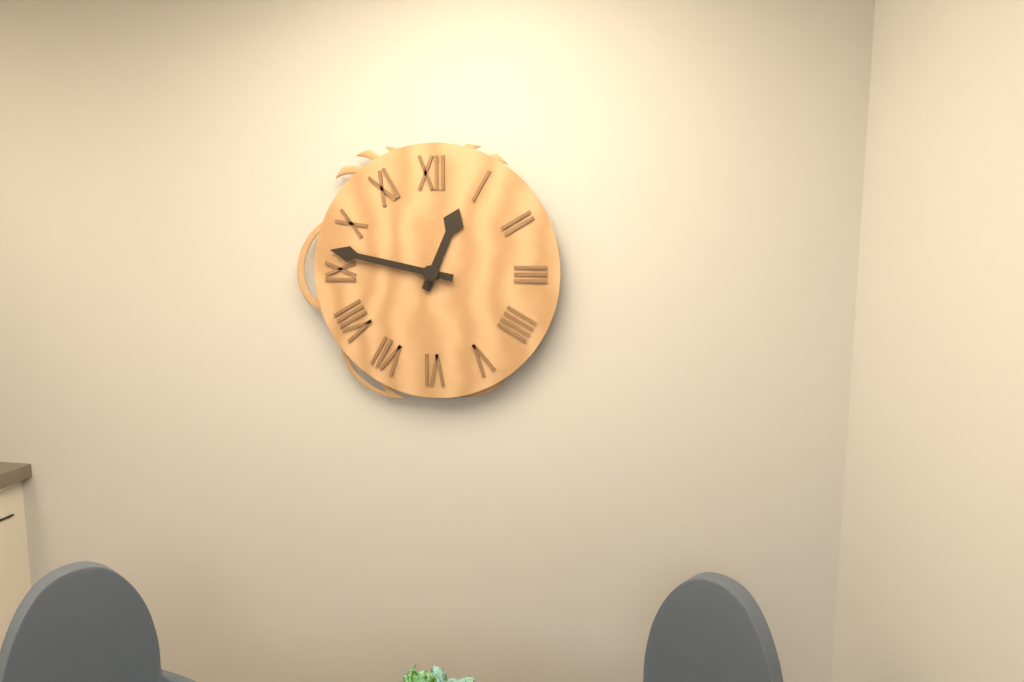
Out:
12 h 47 min
